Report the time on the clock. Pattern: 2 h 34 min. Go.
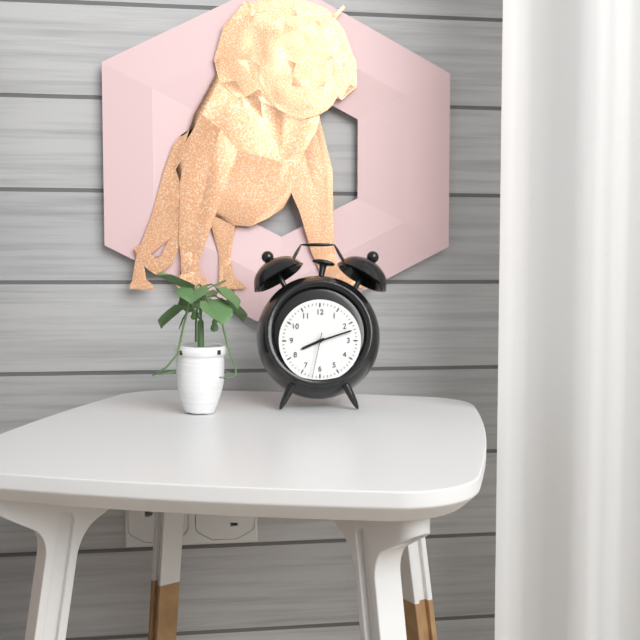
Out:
8 h 12 min
